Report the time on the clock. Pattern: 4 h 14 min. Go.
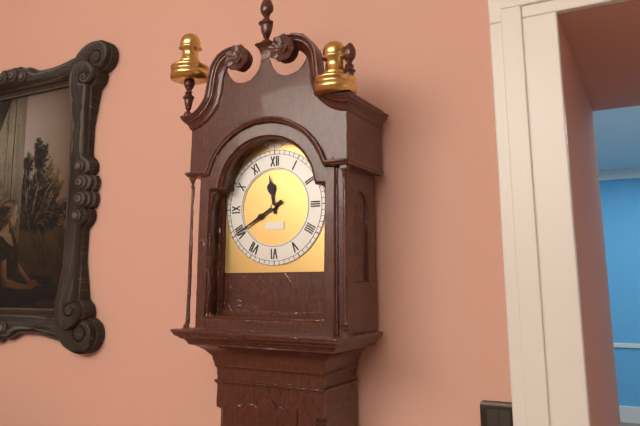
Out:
11 h 40 min
